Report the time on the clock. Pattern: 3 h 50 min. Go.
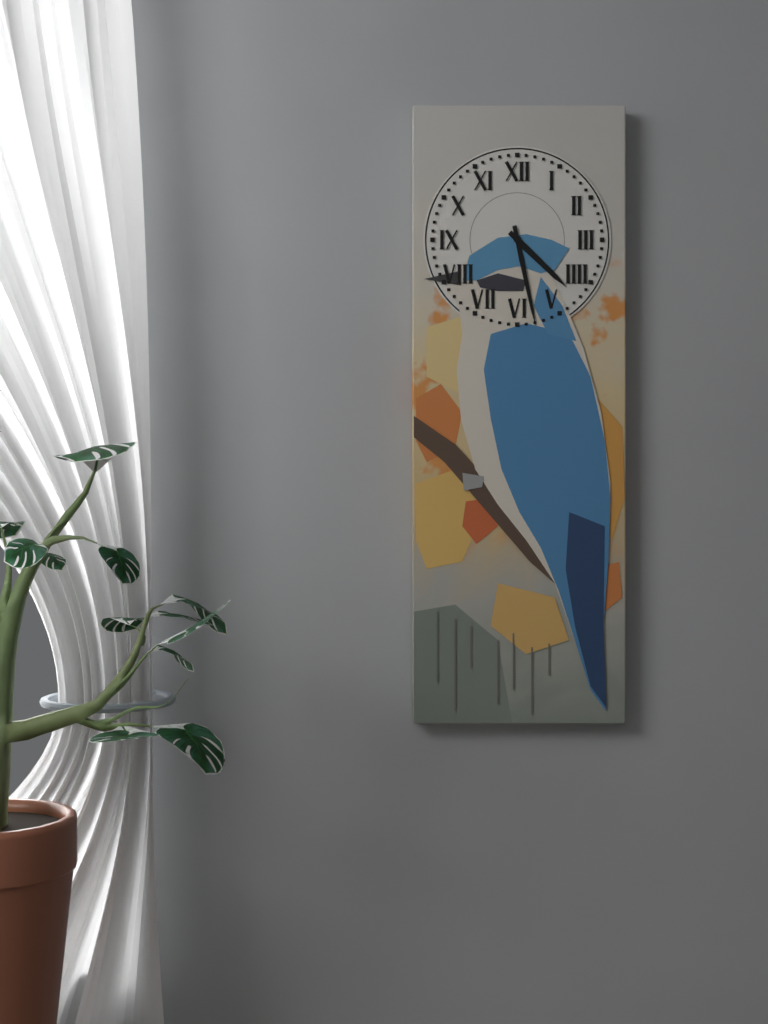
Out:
4 h 28 min
